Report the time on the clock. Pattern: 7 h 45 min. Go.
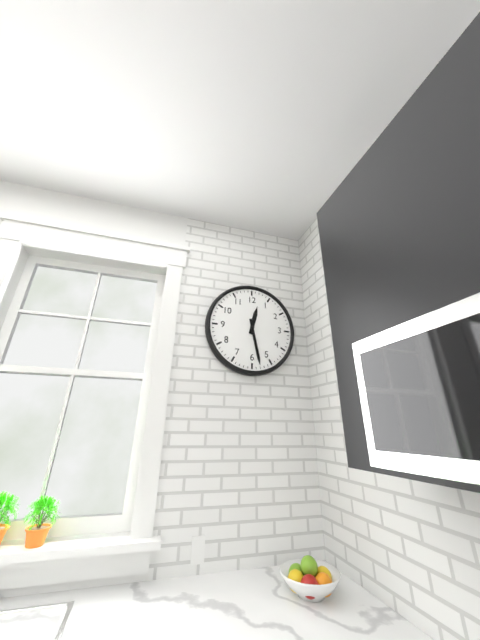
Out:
12 h 28 min
